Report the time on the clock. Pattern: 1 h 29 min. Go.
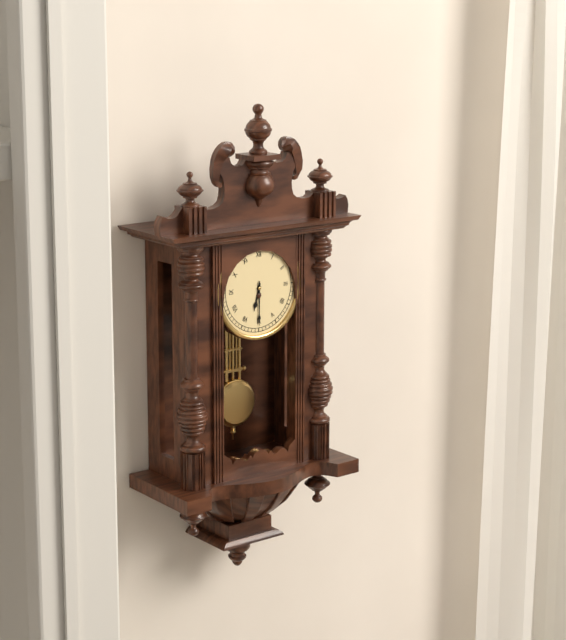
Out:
6 h 30 min
